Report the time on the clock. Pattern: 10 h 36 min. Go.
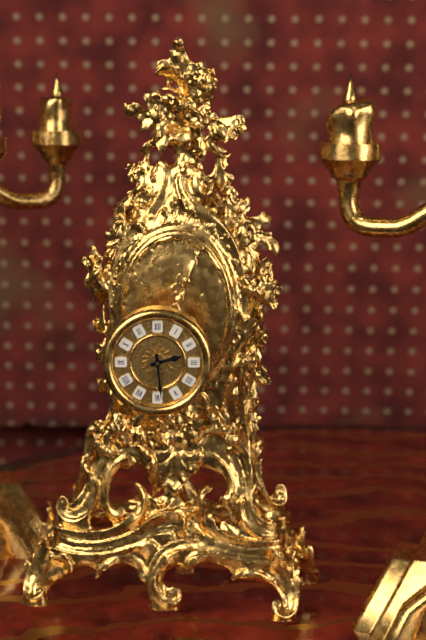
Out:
2 h 29 min
